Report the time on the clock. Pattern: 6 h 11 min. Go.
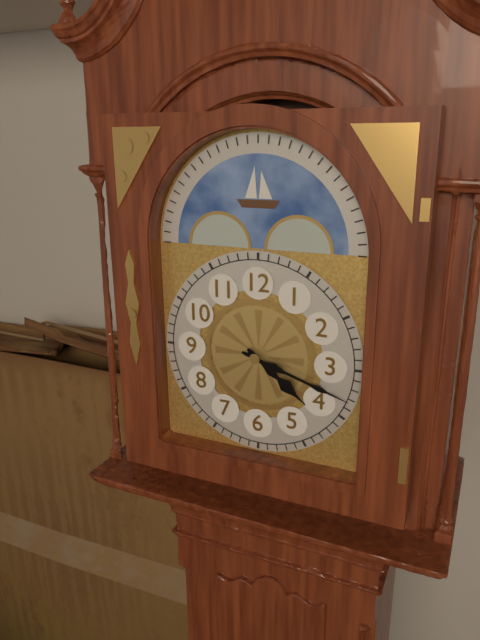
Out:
4 h 18 min
